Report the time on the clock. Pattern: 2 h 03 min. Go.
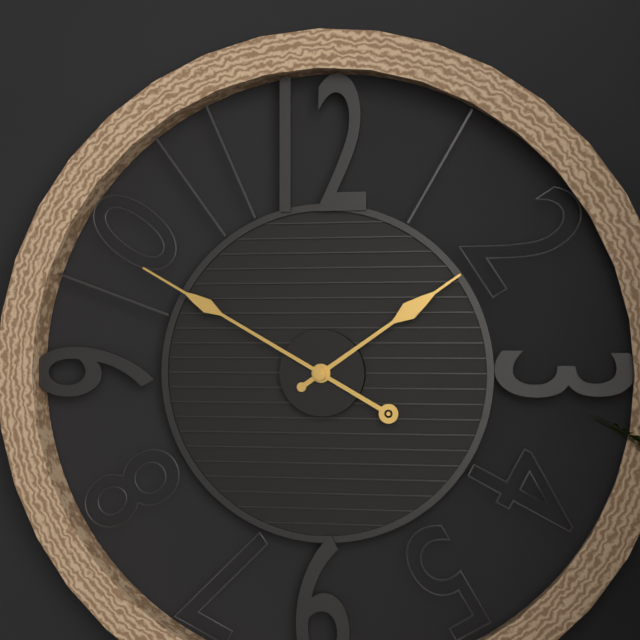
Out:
1 h 50 min
